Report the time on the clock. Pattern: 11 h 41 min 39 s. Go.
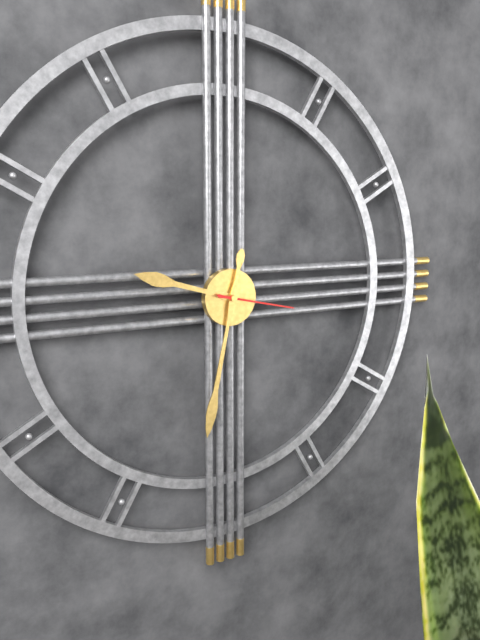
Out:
9 h 32 min 17 s
